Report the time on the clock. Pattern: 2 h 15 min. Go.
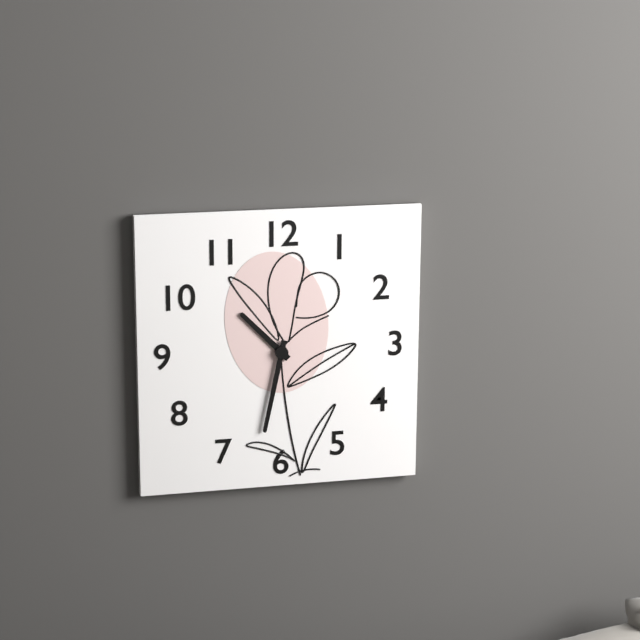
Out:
10 h 32 min
